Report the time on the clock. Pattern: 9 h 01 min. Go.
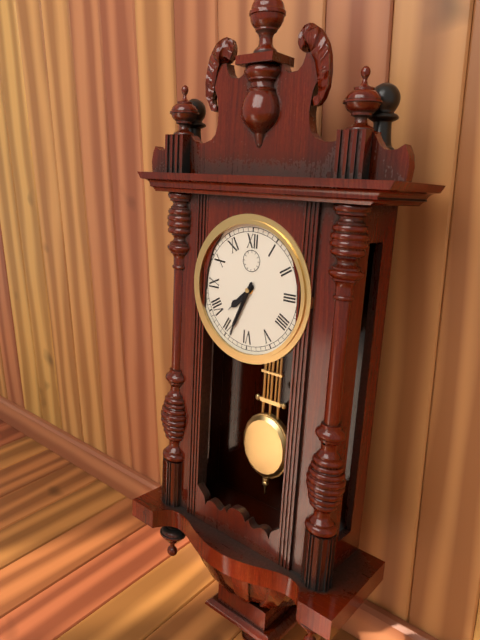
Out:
7 h 34 min
